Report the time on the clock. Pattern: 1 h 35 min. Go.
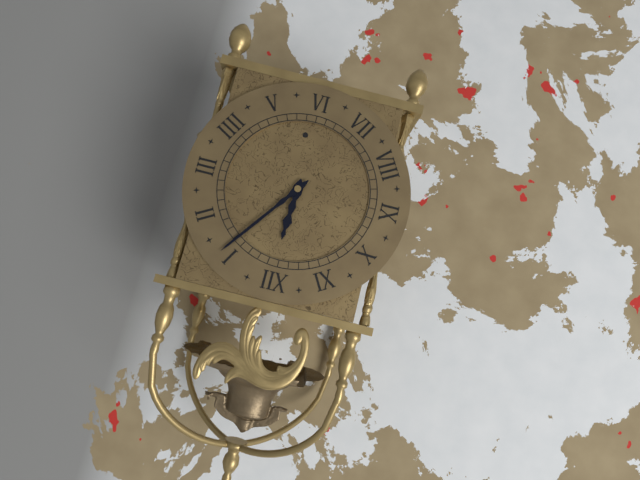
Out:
12 h 06 min
